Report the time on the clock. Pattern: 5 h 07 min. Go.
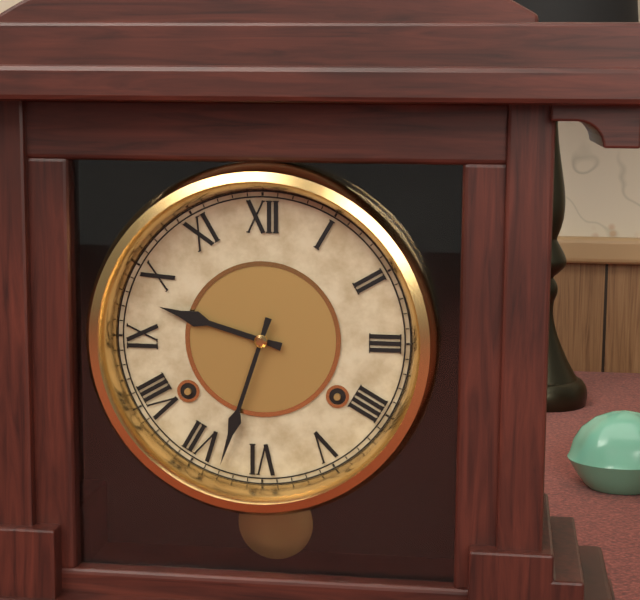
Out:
9 h 33 min
